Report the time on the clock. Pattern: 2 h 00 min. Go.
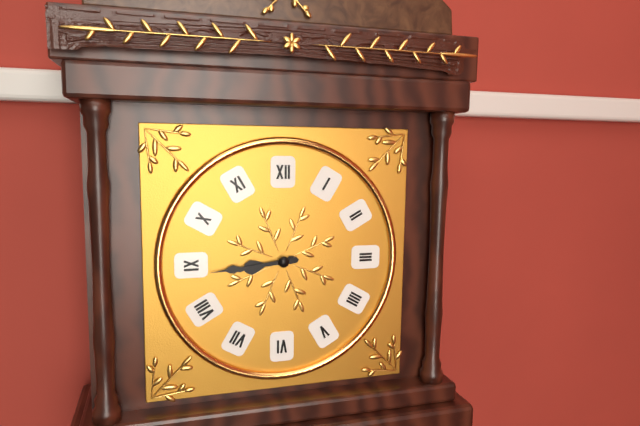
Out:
8 h 44 min
